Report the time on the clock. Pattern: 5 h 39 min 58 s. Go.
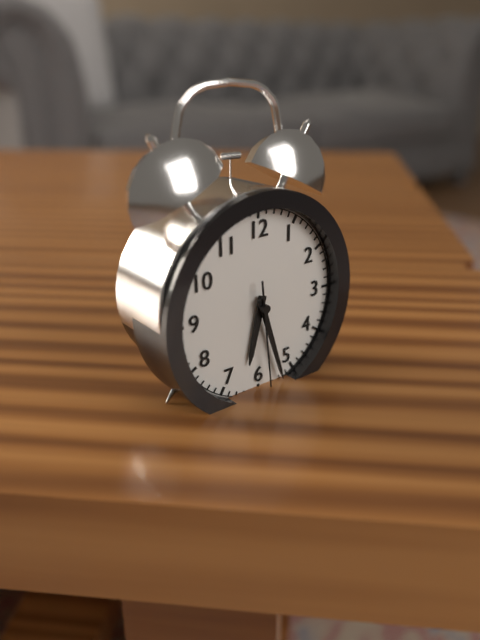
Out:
6 h 27 min 29 s
